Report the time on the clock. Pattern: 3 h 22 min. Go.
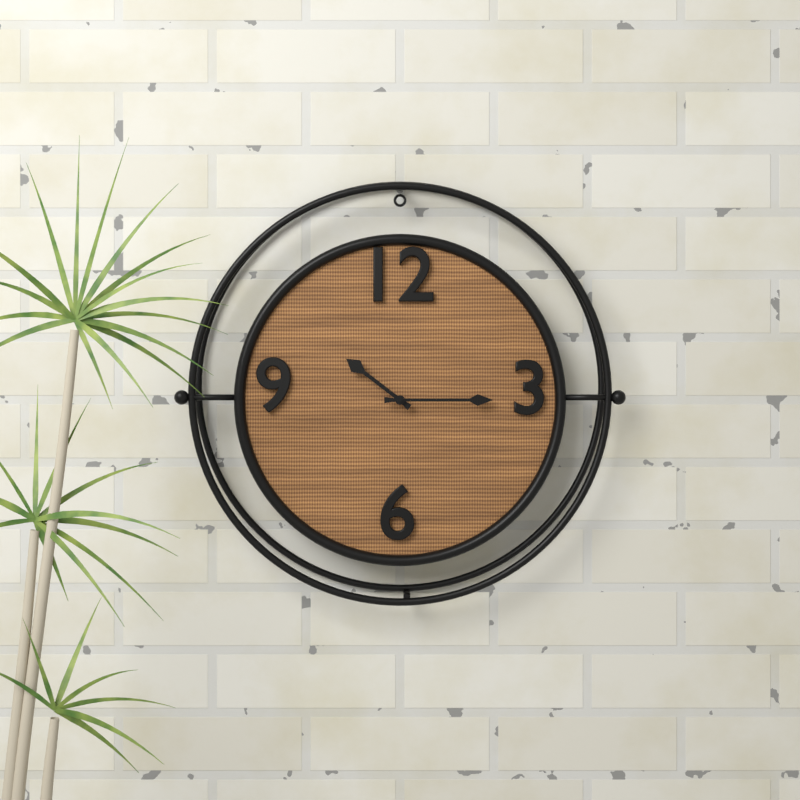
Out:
10 h 15 min
